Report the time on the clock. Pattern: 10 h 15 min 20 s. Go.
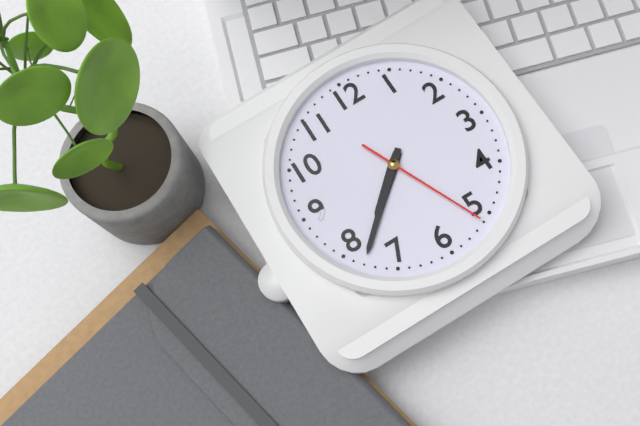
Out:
7 h 38 min 26 s
